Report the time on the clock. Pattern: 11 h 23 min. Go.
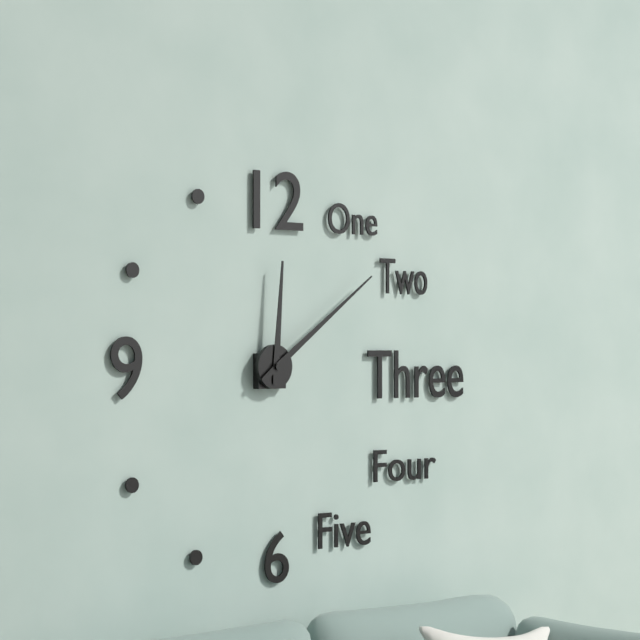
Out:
12 h 09 min
